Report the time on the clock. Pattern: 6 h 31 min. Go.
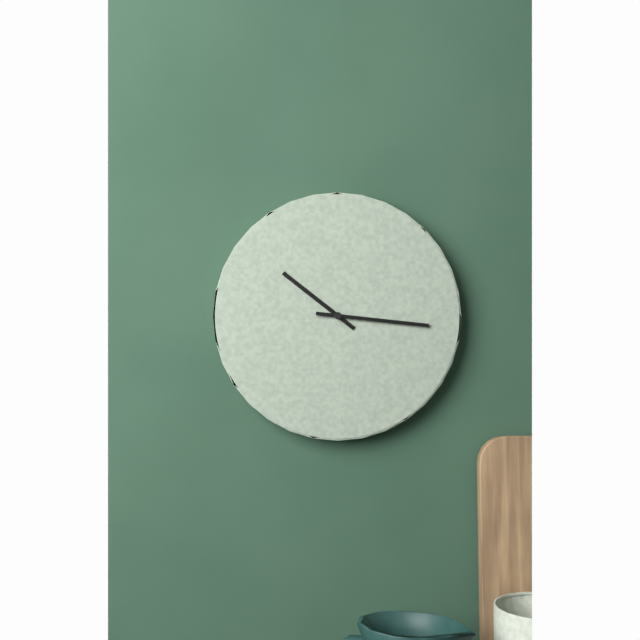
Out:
10 h 16 min
